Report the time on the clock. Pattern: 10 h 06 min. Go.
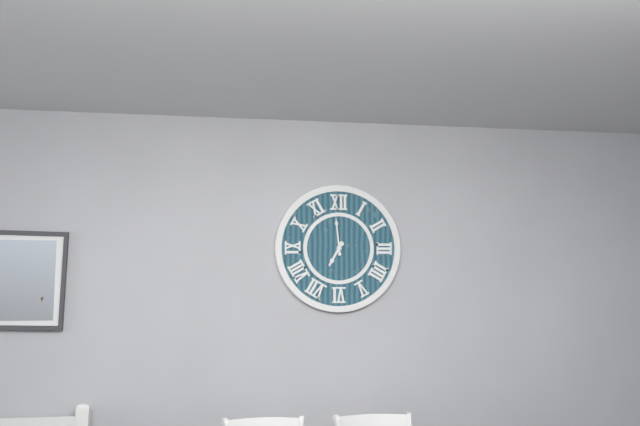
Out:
6 h 59 min
